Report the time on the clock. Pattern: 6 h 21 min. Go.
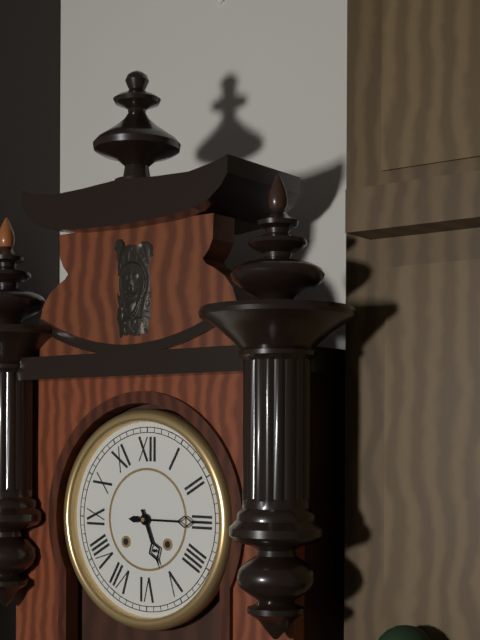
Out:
5 h 15 min
